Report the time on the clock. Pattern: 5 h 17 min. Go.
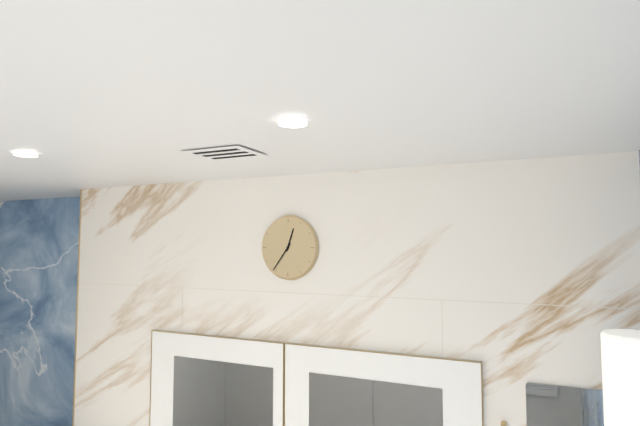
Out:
12 h 36 min
